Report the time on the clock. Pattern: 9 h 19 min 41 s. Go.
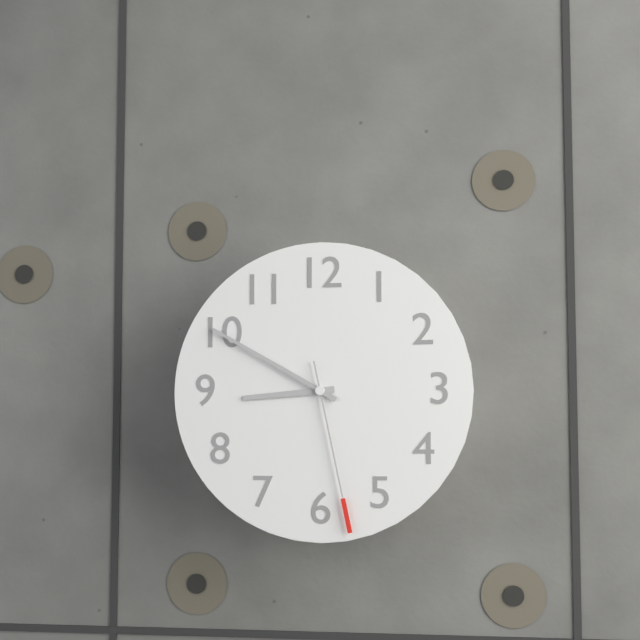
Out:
8 h 50 min 28 s
